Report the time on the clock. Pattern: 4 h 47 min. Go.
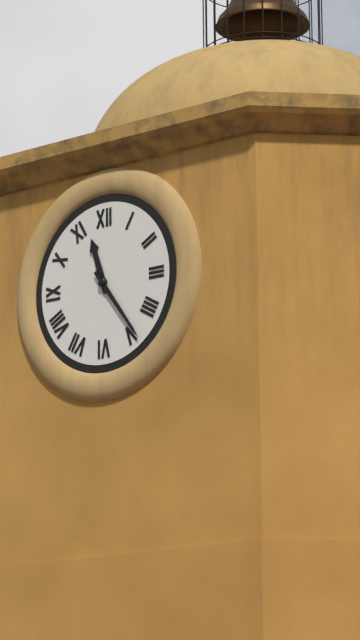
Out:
11 h 24 min
